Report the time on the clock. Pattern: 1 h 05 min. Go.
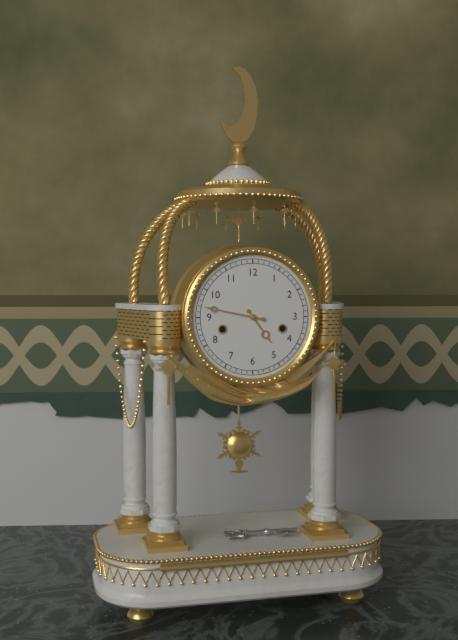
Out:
4 h 47 min
